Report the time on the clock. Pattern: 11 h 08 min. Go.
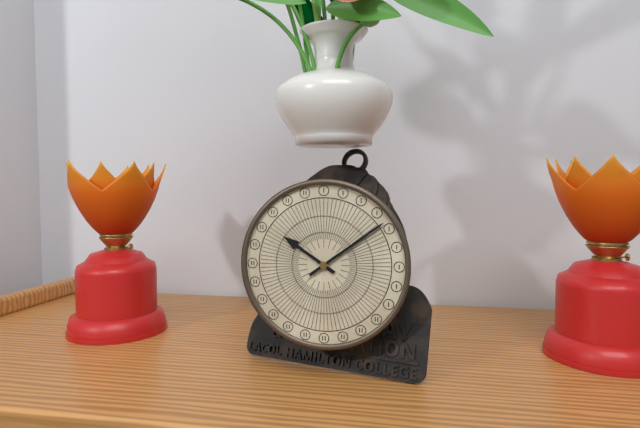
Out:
10 h 09 min
